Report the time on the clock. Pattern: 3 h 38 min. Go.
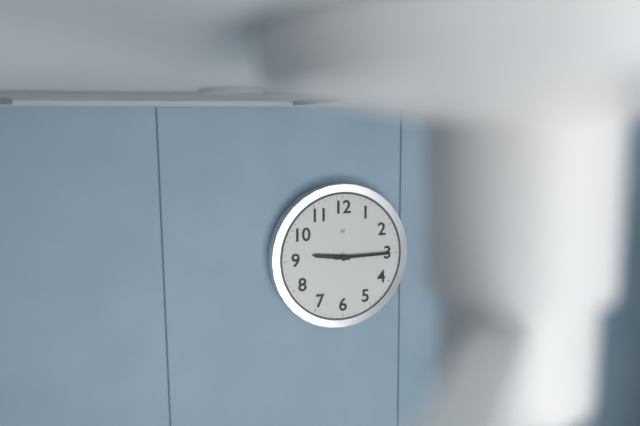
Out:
9 h 15 min
